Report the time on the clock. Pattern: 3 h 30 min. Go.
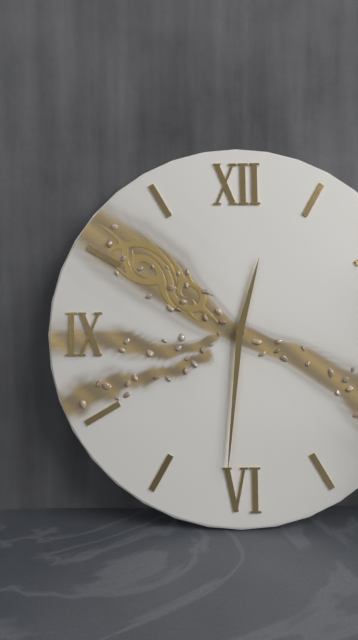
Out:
12 h 31 min
